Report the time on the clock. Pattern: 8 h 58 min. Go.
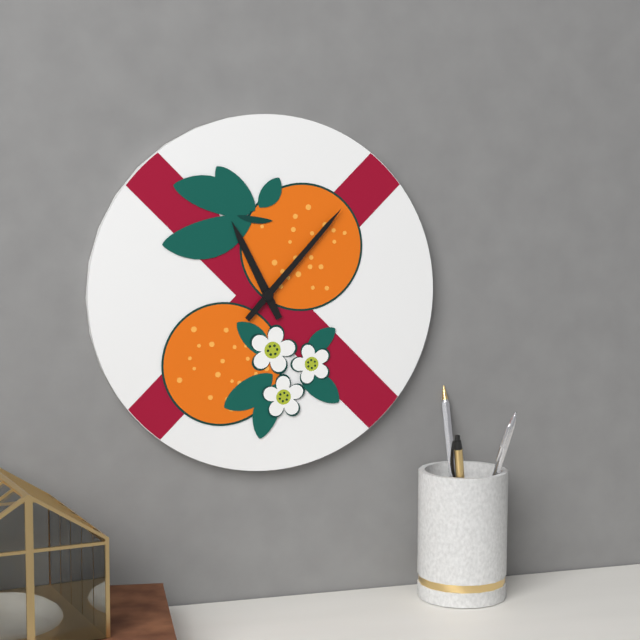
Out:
11 h 07 min
